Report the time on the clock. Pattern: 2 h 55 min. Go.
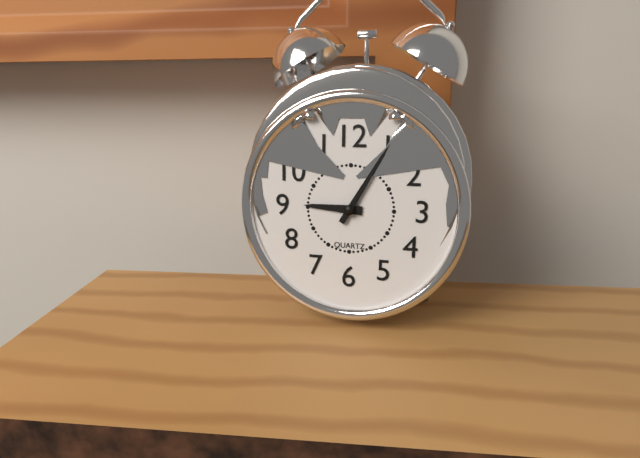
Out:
9 h 05 min
